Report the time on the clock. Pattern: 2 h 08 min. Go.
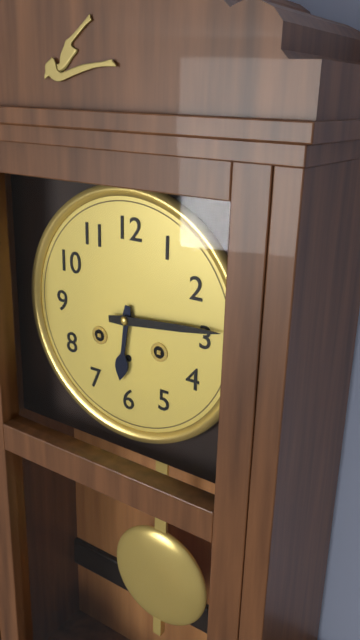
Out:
6 h 14 min
